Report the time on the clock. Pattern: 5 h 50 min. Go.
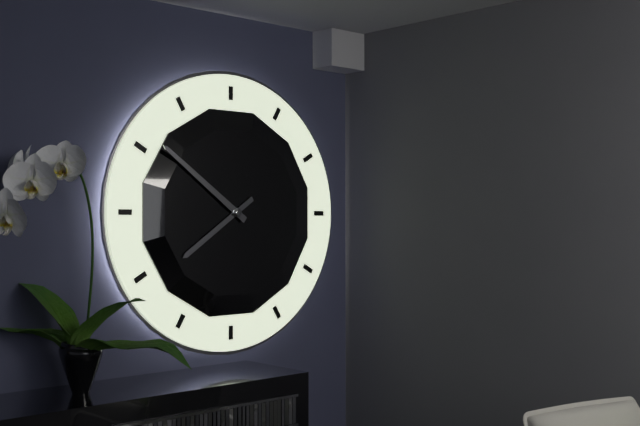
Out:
7 h 51 min
